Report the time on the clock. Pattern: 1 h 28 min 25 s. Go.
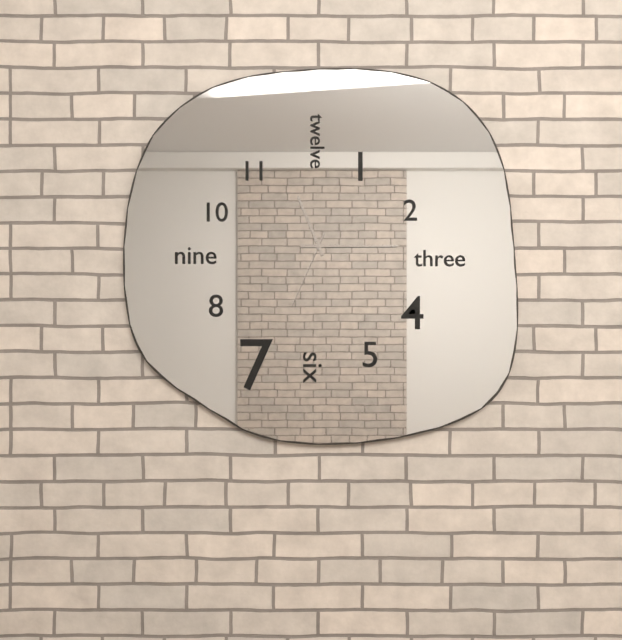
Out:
11 h 15 min 34 s
